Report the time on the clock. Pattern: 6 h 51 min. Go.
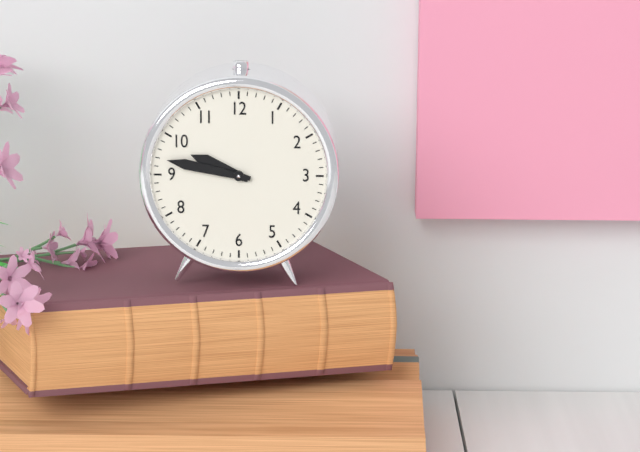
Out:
9 h 47 min
